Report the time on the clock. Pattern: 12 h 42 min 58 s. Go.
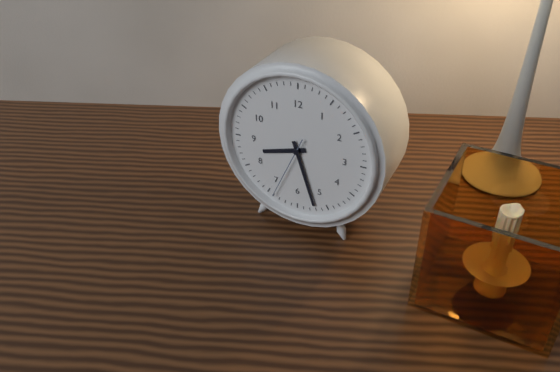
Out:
8 h 27 min 34 s
